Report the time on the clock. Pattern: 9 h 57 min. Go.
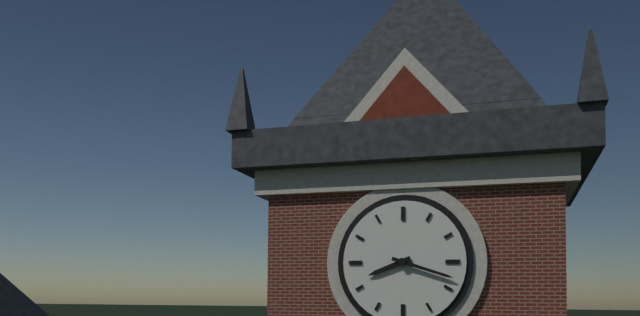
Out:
8 h 18 min
